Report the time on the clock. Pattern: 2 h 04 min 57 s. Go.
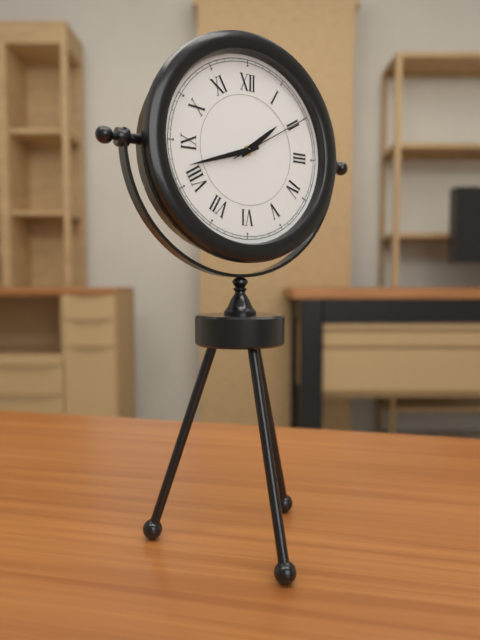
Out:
1 h 42 min 10 s
